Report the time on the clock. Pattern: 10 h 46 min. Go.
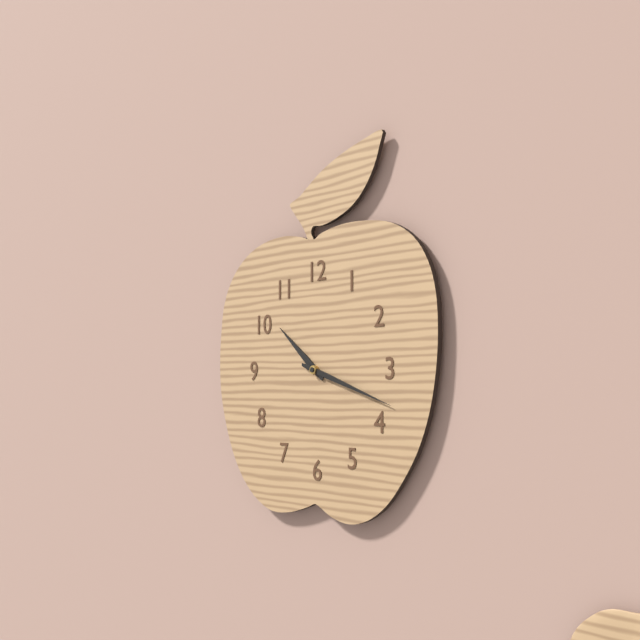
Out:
10 h 18 min
